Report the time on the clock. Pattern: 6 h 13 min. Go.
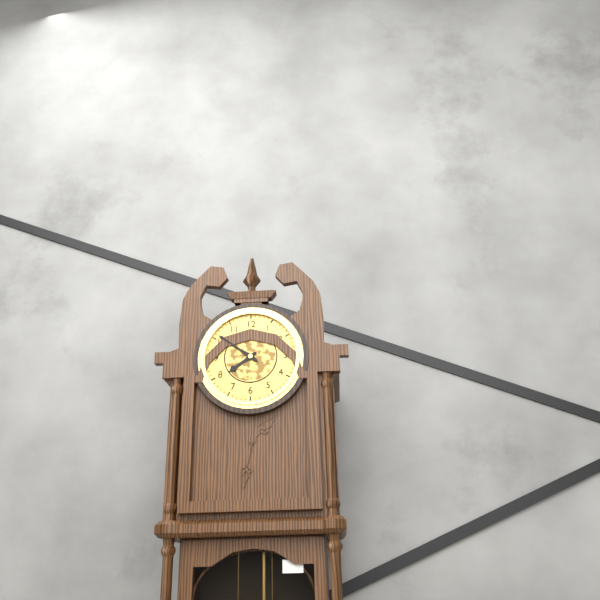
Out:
7 h 51 min
